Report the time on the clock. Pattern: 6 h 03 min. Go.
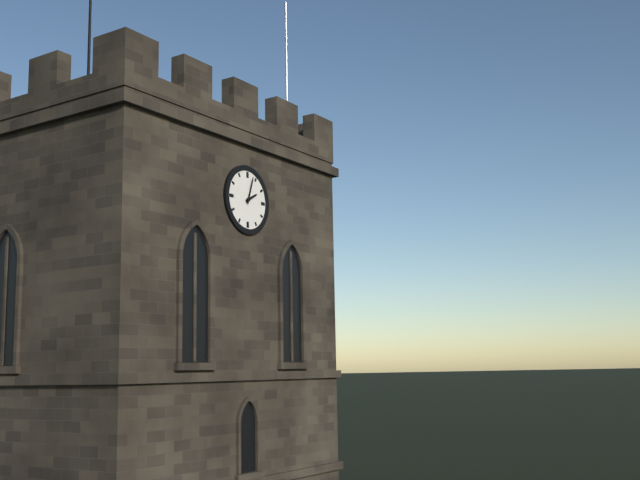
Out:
2 h 03 min
